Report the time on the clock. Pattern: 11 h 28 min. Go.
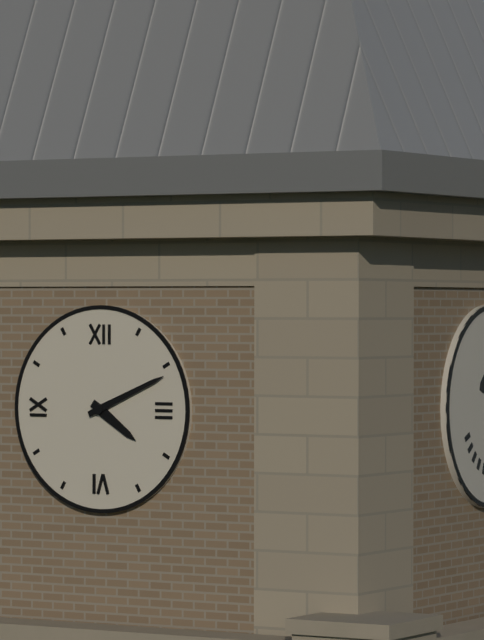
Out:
4 h 11 min
